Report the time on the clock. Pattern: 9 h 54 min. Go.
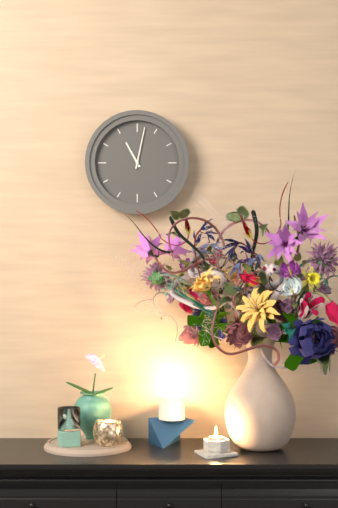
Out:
11 h 02 min
